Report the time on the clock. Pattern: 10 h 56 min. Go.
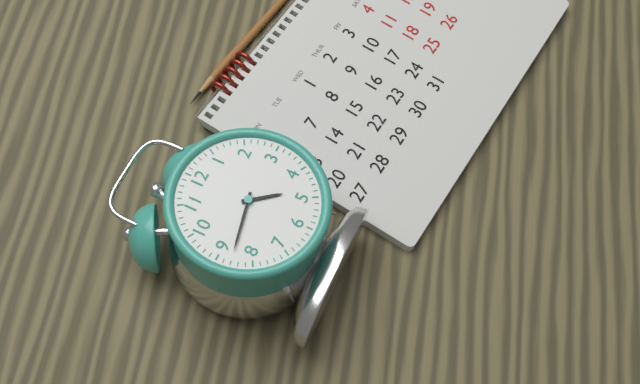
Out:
4 h 43 min
